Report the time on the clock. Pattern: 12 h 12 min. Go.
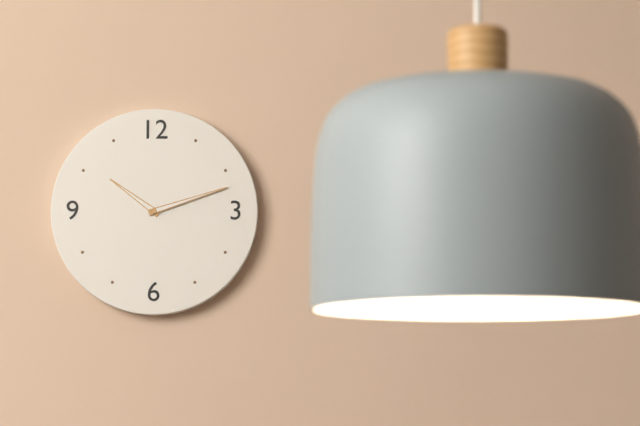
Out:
10 h 12 min
